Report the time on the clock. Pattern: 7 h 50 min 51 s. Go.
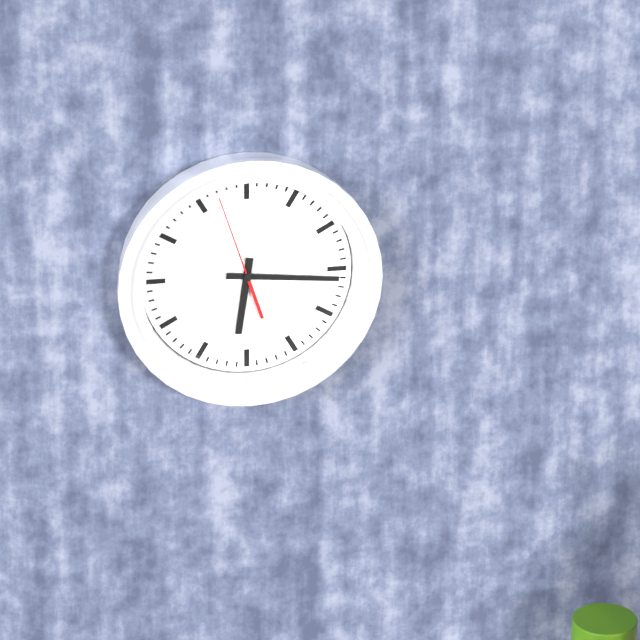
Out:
6 h 16 min 57 s
